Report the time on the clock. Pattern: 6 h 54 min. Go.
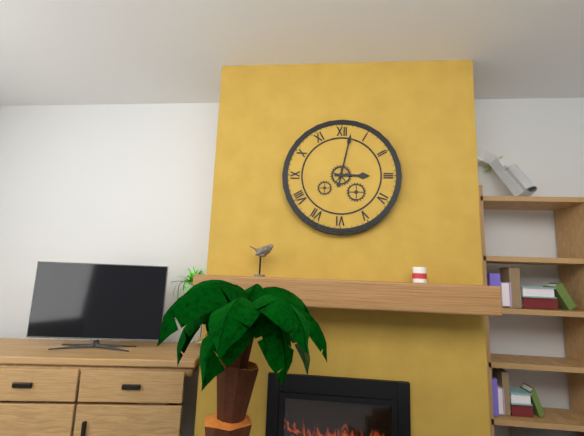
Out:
3 h 02 min
